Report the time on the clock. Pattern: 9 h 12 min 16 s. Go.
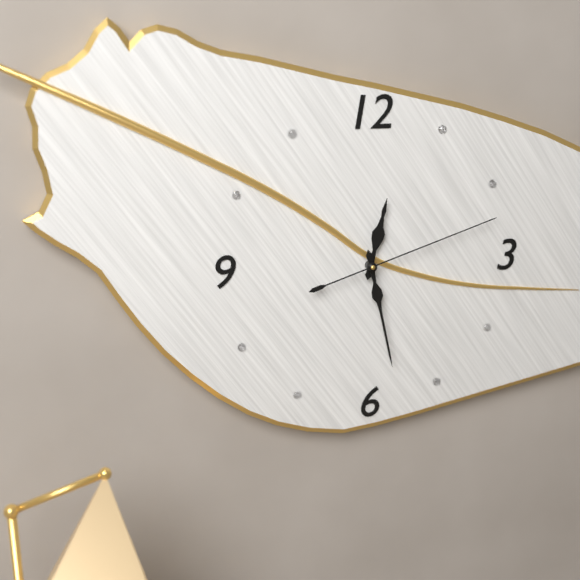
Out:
12 h 28 min 12 s
